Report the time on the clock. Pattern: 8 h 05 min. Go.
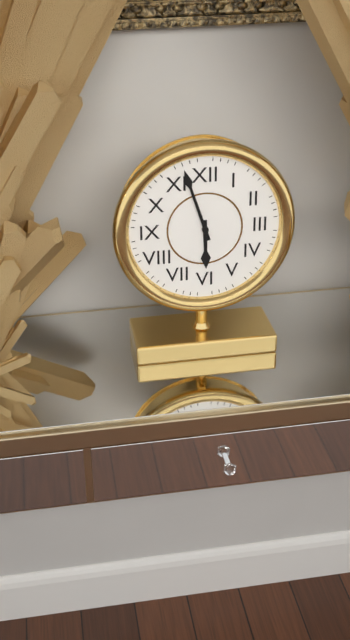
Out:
5 h 57 min
